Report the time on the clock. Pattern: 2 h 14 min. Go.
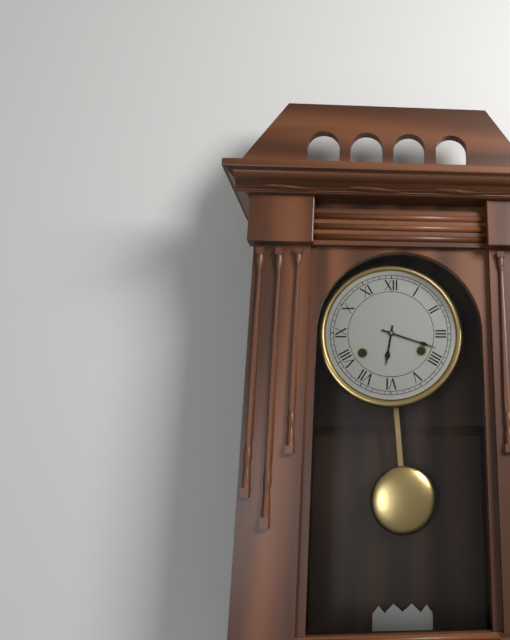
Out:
6 h 18 min
